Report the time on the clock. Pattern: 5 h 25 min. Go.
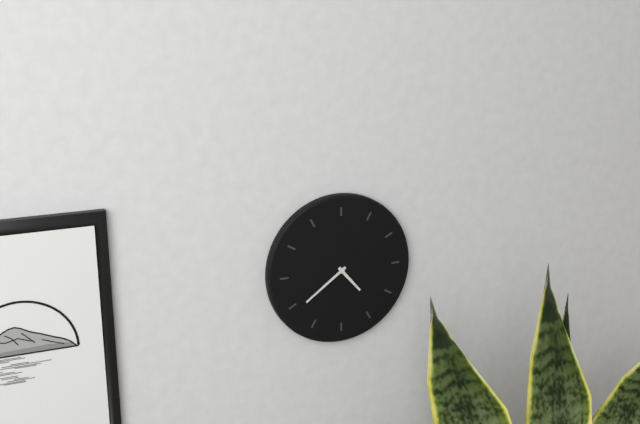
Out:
4 h 39 min
